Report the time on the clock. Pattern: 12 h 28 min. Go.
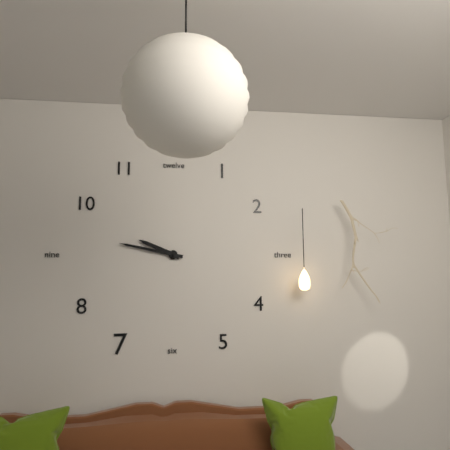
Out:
9 h 47 min
